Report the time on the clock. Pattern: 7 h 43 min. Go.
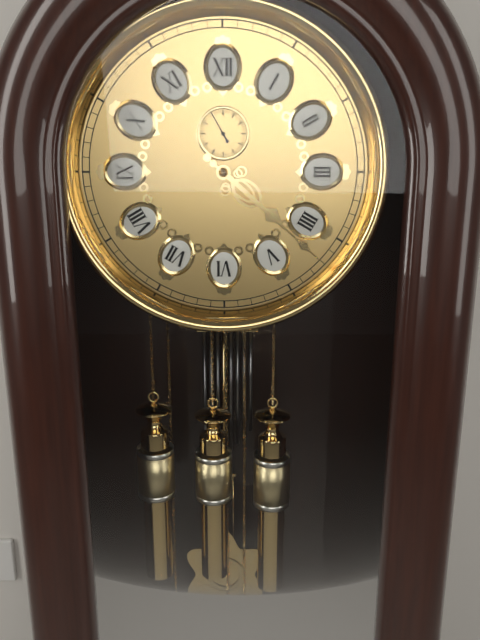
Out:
4 h 22 min
